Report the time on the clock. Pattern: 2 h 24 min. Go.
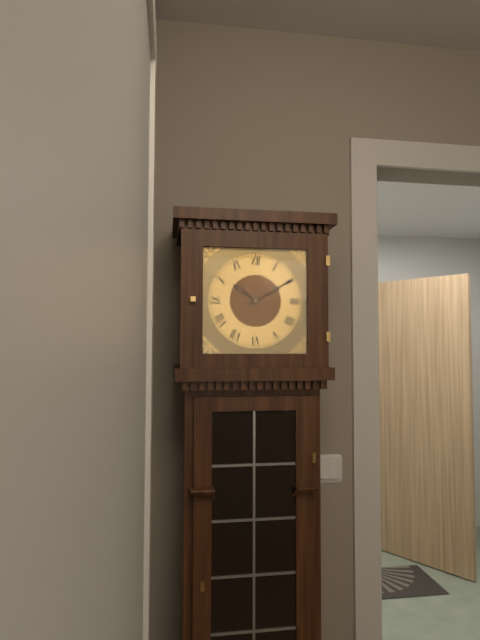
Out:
10 h 10 min
